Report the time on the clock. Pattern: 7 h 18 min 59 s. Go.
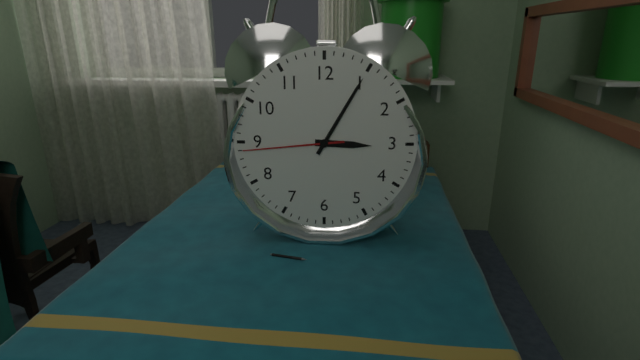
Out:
3 h 05 min 44 s
